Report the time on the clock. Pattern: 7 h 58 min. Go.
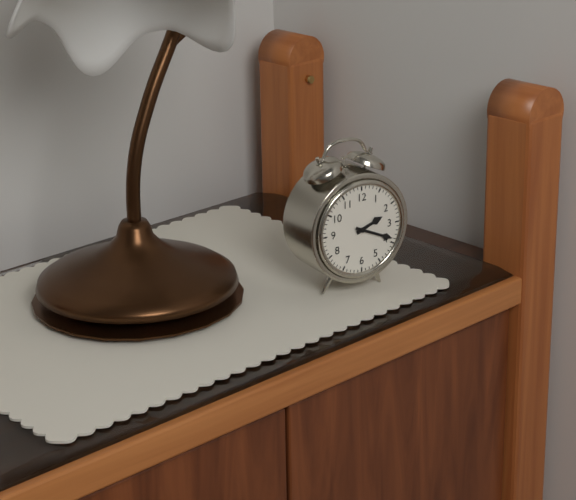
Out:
2 h 19 min
